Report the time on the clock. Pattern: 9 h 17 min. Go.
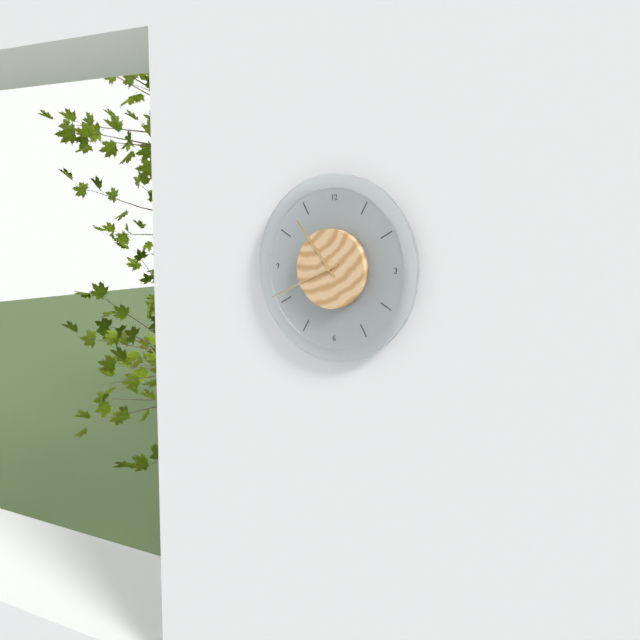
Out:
10 h 41 min
